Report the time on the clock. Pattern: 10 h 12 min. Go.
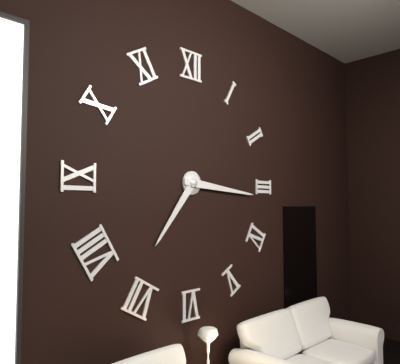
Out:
7 h 16 min
